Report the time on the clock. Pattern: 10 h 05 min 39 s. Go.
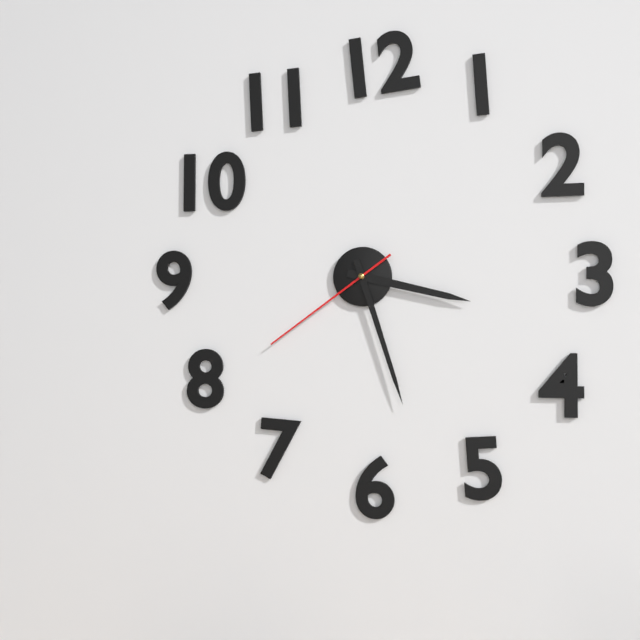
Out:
3 h 27 min 39 s
